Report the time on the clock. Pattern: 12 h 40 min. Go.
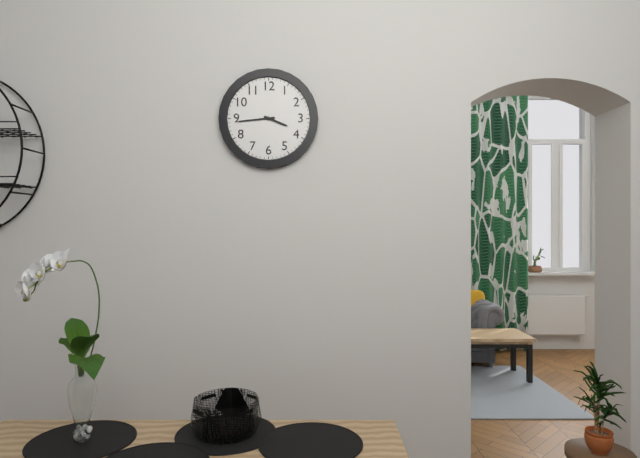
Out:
3 h 44 min
